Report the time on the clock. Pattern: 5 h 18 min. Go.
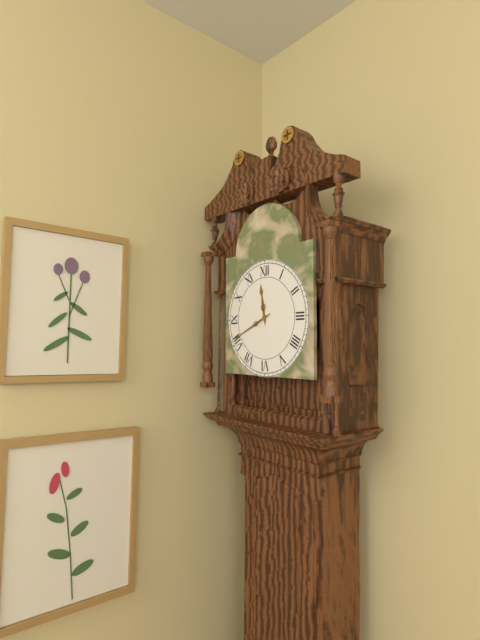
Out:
11 h 41 min
